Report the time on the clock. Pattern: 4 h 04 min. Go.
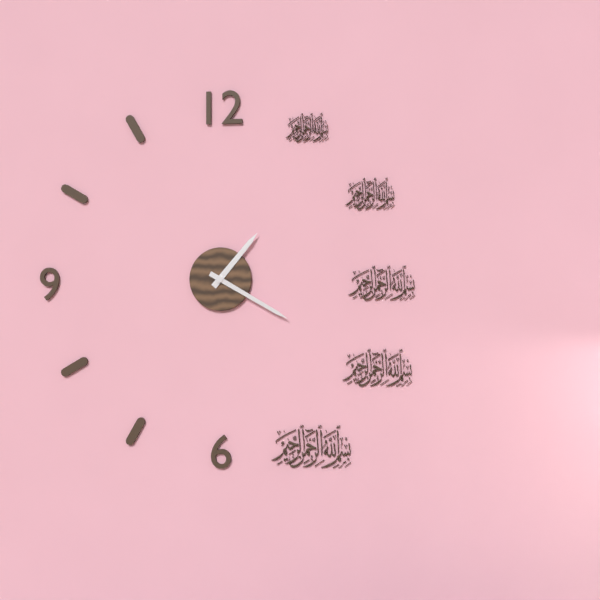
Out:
1 h 20 min
